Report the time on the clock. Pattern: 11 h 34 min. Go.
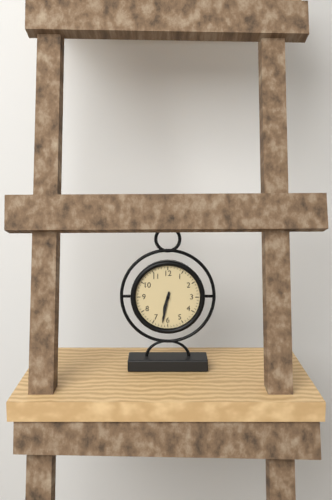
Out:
6 h 32 min
